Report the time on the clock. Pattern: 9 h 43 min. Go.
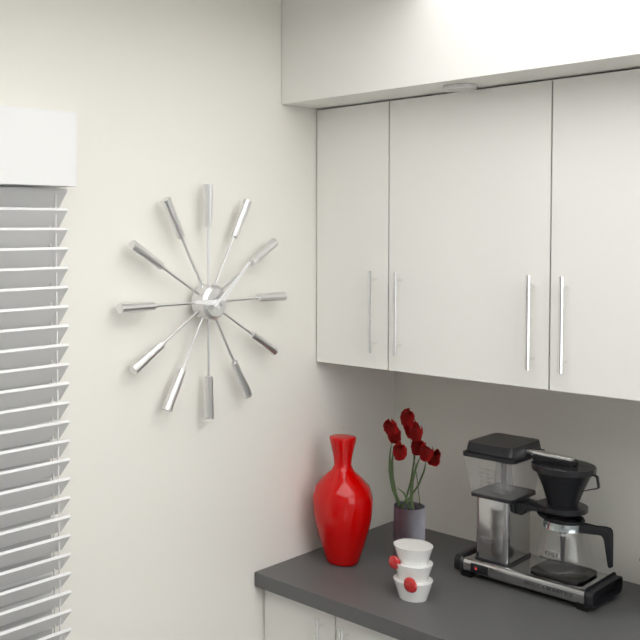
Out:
9 h 08 min
